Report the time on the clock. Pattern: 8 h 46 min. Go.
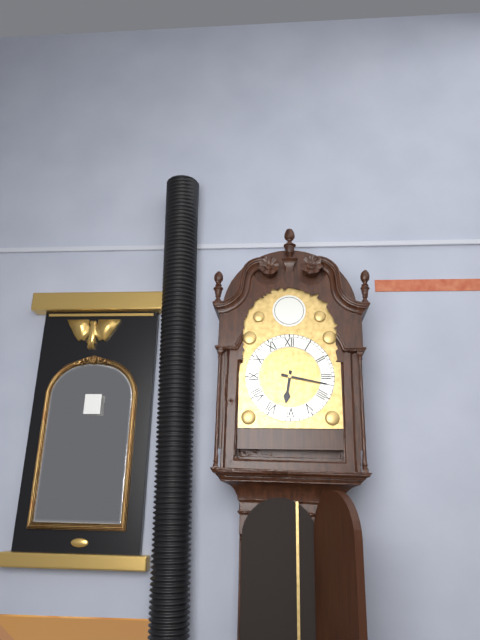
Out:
6 h 17 min
